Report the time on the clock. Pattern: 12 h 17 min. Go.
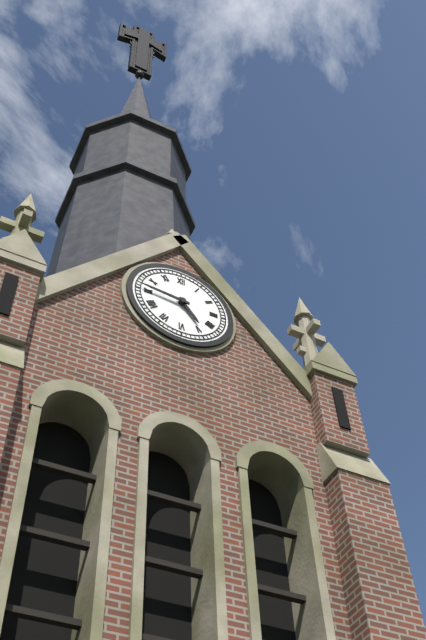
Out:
4 h 46 min
